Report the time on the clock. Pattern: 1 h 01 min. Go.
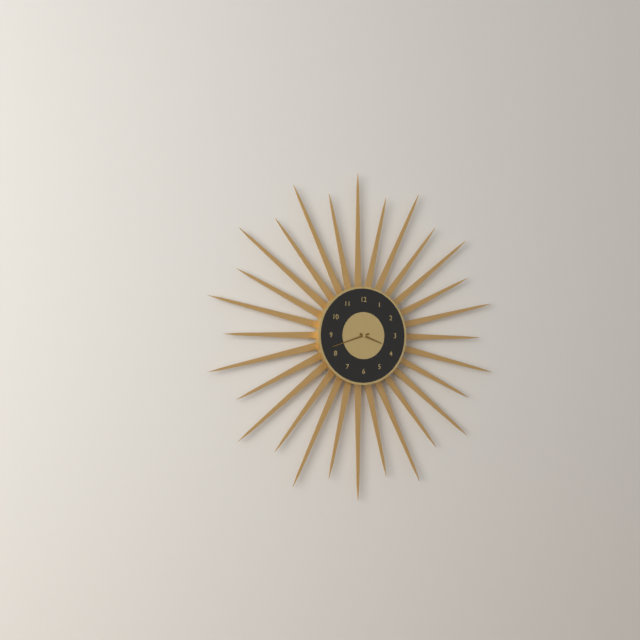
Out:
3 h 42 min
